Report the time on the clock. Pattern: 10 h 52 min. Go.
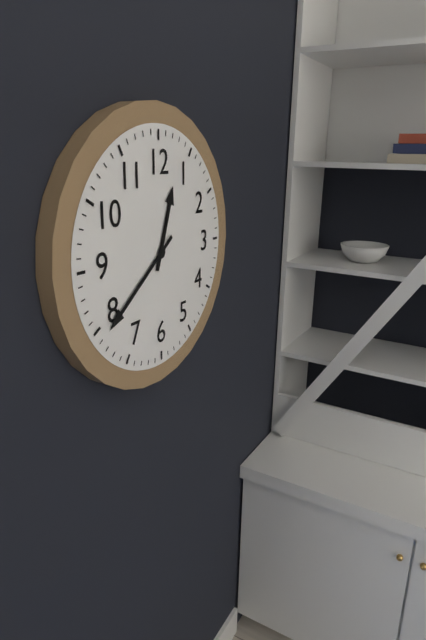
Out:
12 h 39 min
